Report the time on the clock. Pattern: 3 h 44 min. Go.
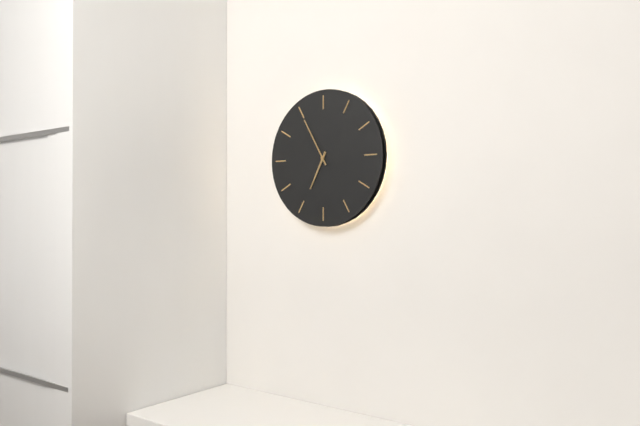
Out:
6 h 55 min
